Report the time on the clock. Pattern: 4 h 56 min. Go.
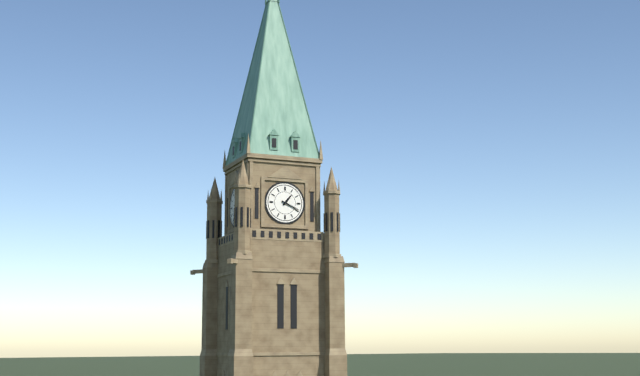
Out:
1 h 19 min
